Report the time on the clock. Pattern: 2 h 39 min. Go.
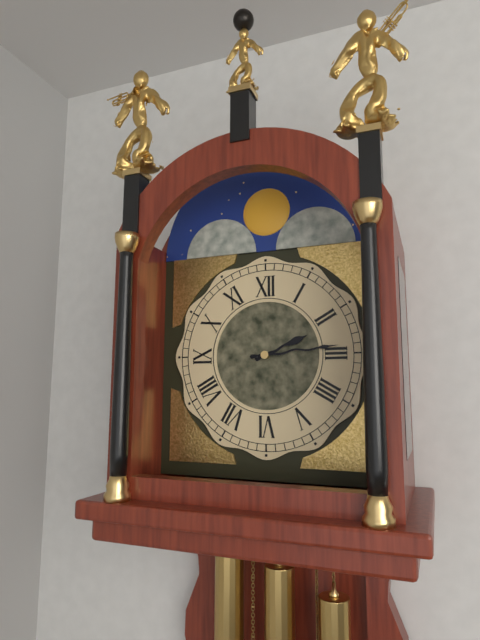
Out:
2 h 14 min
